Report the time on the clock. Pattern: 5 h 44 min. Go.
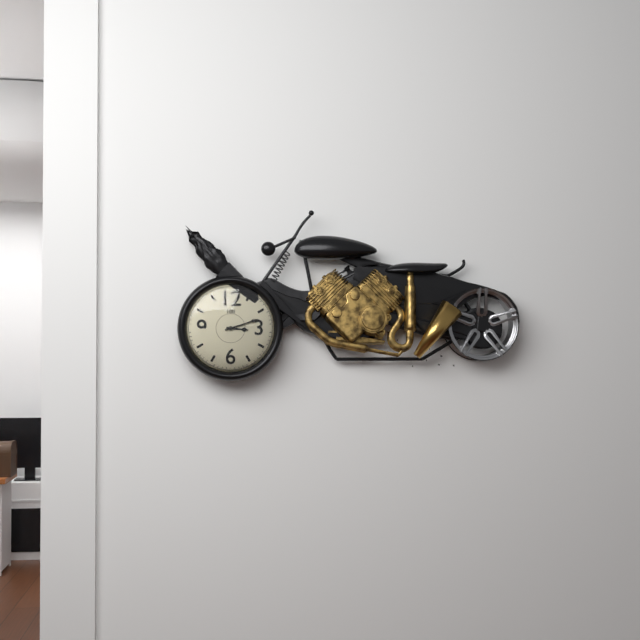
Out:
3 h 12 min
